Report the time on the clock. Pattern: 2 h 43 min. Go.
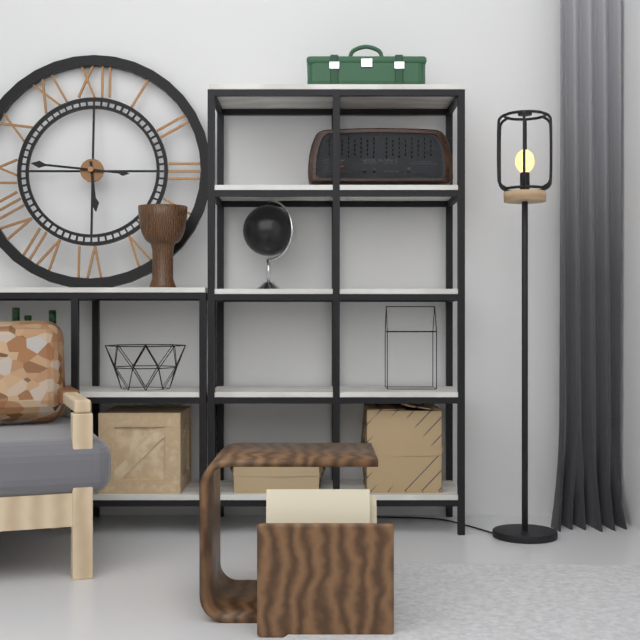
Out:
5 h 46 min
